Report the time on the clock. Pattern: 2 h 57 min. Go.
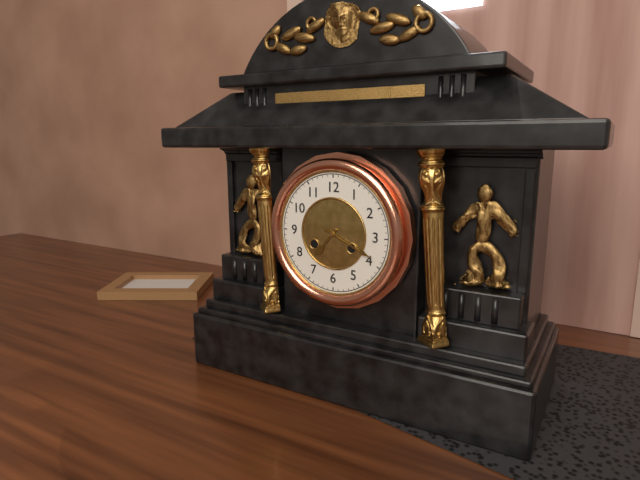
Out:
7 h 19 min
